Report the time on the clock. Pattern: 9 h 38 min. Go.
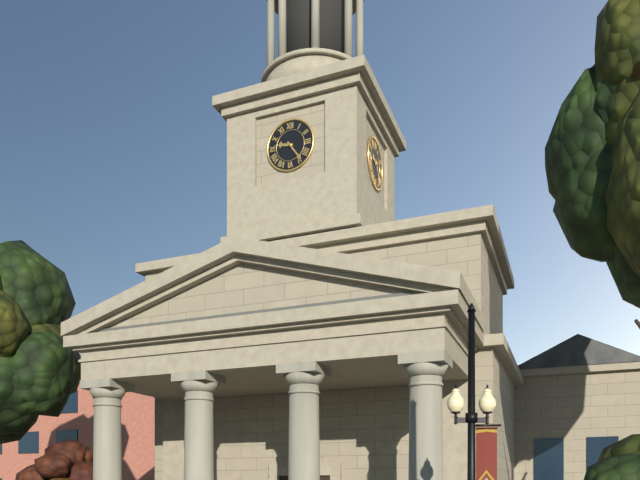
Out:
9 h 24 min
